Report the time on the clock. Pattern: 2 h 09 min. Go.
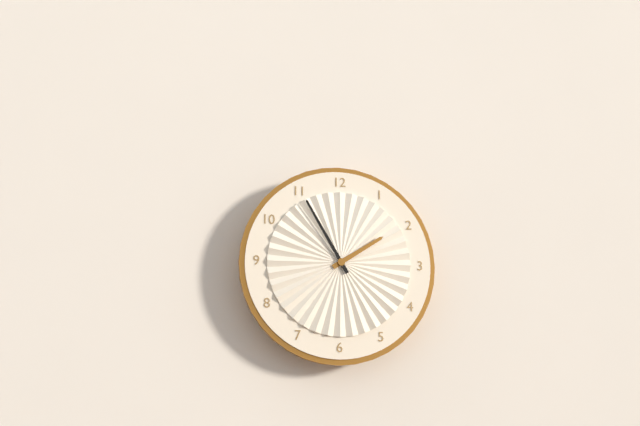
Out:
1 h 55 min
